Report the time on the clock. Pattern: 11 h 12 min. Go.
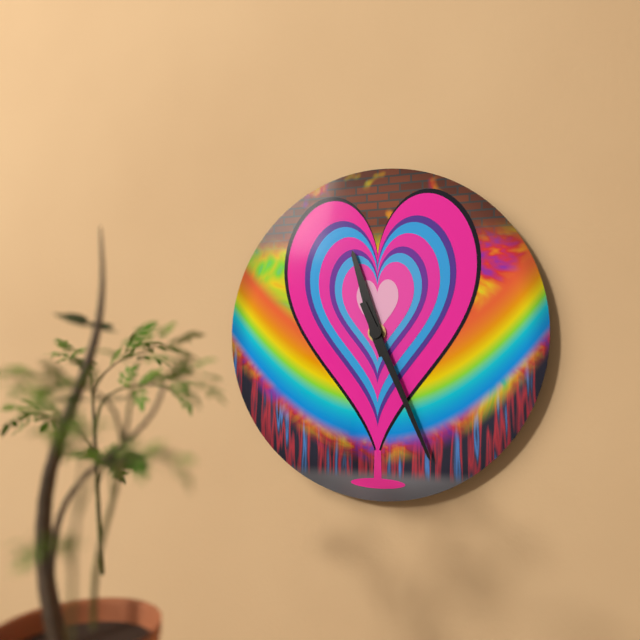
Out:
11 h 26 min
